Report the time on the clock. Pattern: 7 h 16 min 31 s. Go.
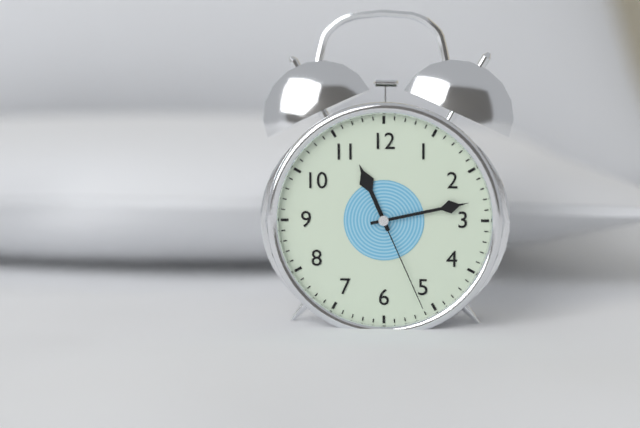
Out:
11 h 13 min 26 s
